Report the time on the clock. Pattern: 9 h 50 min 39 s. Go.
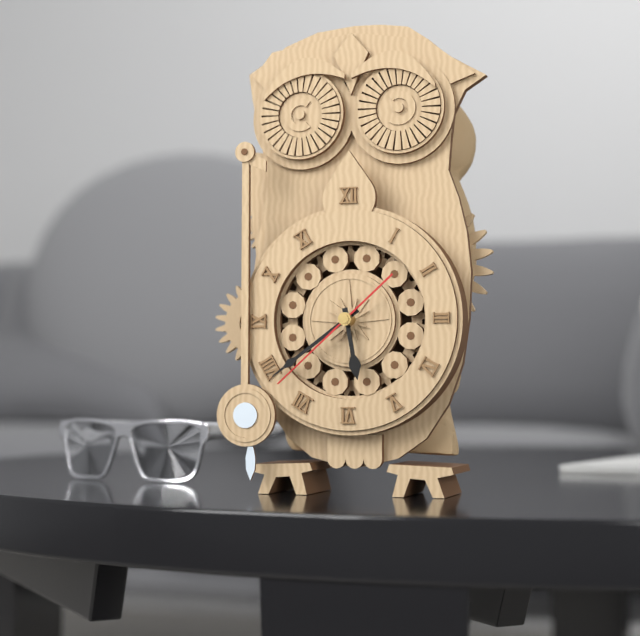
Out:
5 h 39 min 38 s
